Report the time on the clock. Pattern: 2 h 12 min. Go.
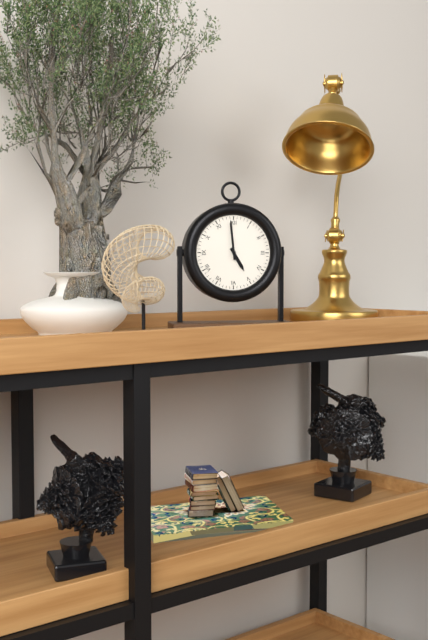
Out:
4 h 59 min
